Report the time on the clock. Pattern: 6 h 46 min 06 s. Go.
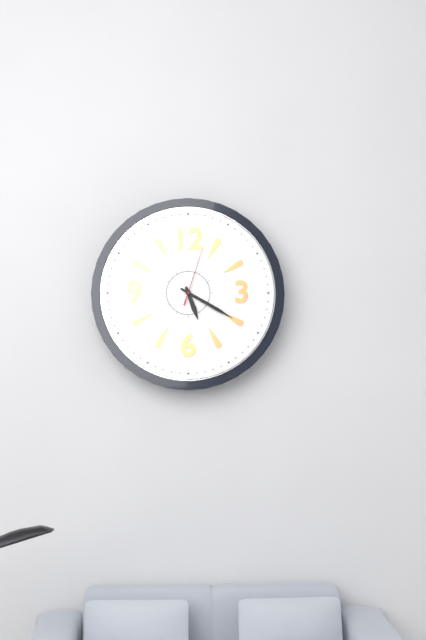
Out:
5 h 20 min 03 s
